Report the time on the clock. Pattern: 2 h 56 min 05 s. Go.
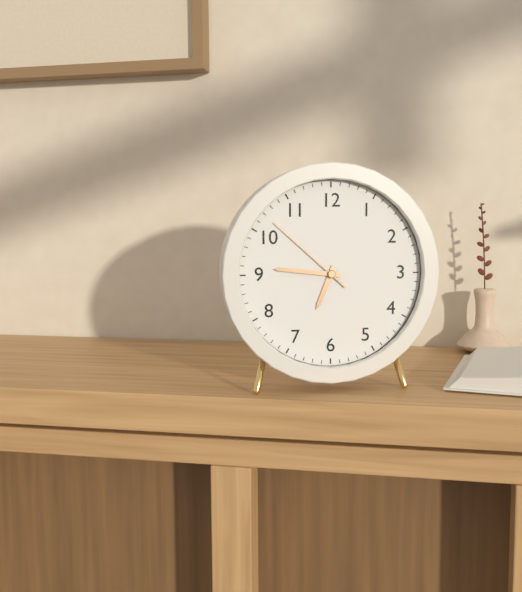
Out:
6 h 46 min 52 s
